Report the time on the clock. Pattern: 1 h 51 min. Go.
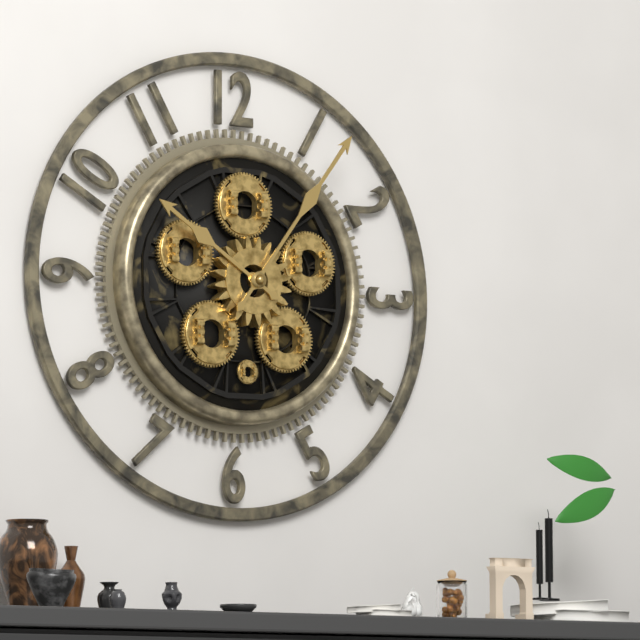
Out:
10 h 06 min
